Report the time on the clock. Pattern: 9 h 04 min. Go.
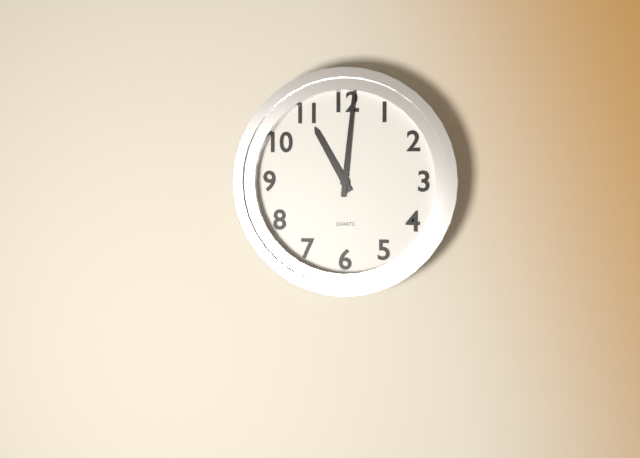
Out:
11 h 01 min
